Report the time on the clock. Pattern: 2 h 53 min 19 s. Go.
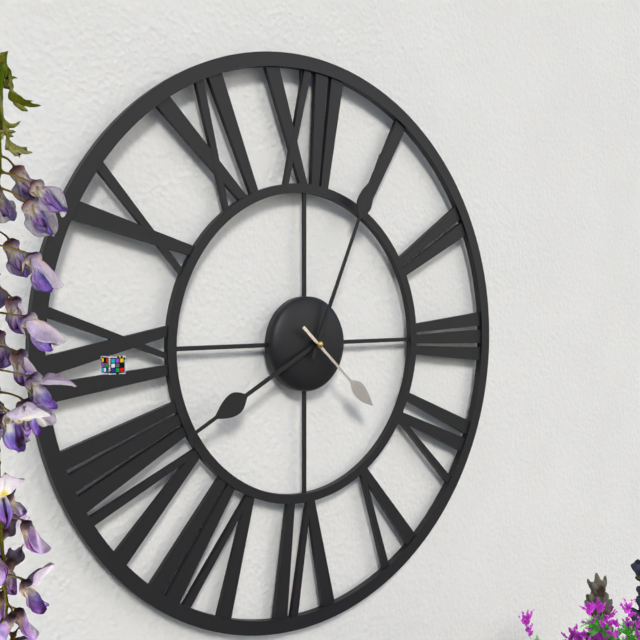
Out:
8 h 04 min 22 s
